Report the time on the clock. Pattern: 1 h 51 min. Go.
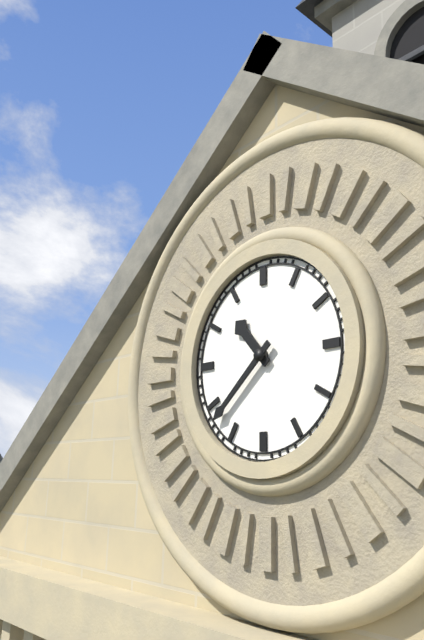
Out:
10 h 38 min
